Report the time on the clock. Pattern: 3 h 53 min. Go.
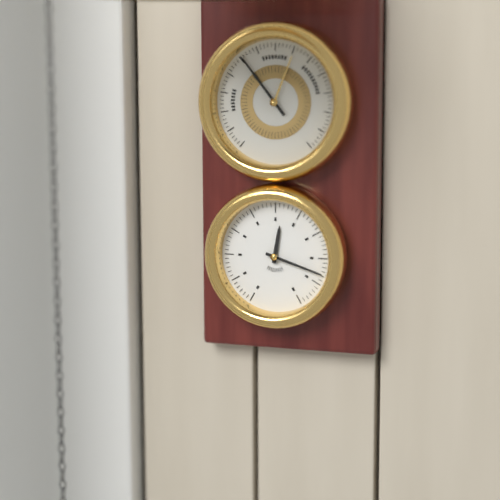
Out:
12 h 18 min
